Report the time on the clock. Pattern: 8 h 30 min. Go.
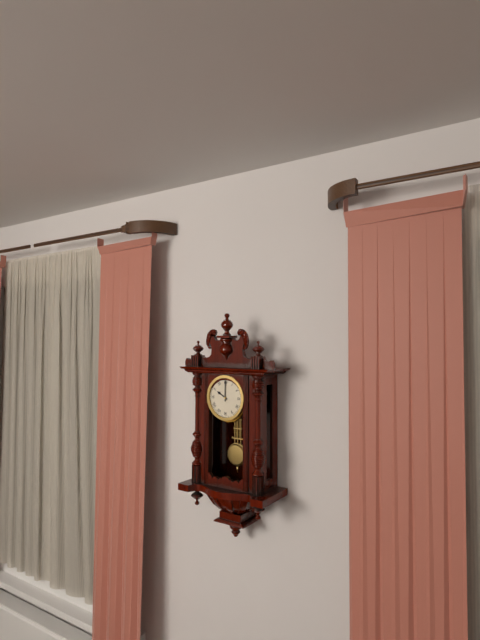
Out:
10 h 00 min
